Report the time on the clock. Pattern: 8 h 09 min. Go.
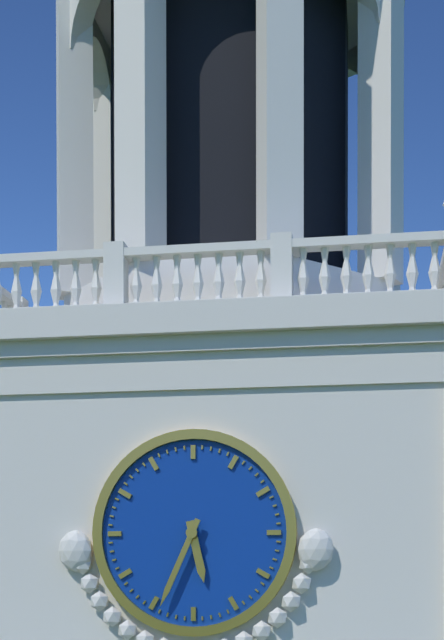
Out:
5 h 34 min
